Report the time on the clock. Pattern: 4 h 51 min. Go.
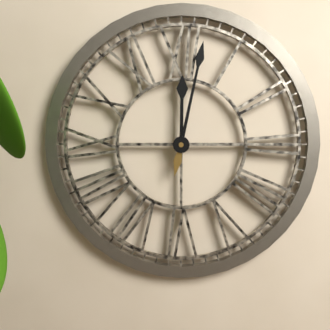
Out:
12 h 02 min
